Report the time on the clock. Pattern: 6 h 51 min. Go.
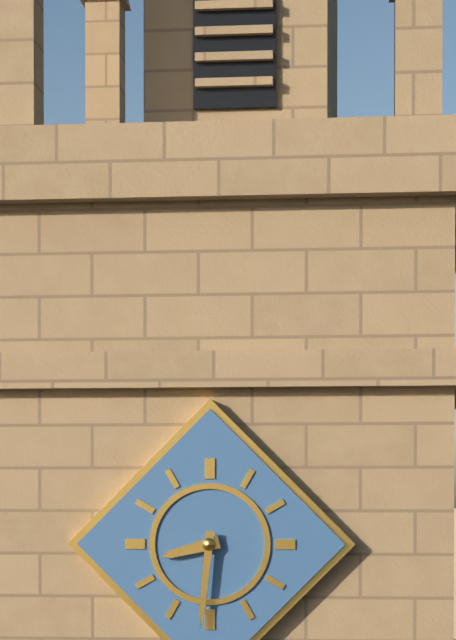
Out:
8 h 31 min
